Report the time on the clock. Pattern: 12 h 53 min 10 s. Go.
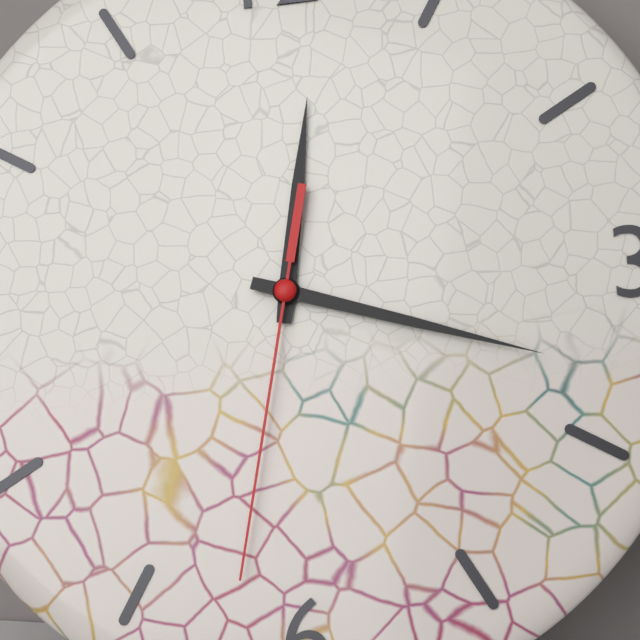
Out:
12 h 18 min 32 s
